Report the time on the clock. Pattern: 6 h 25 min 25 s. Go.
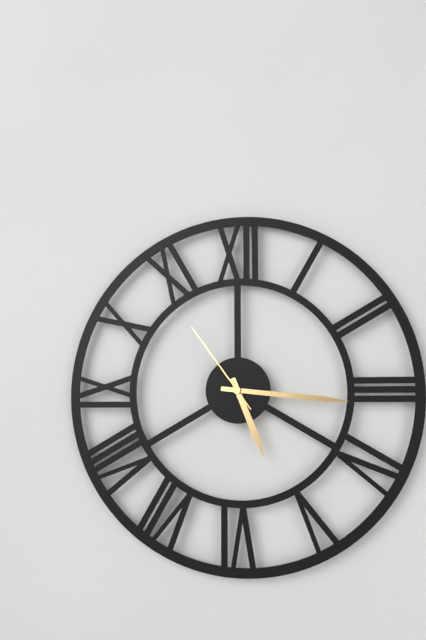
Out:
5 h 16 min 54 s
